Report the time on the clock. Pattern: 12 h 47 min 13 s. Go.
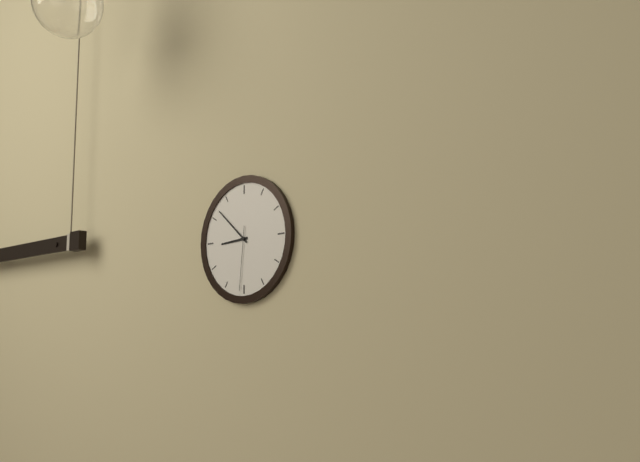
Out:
8 h 52 min 31 s
